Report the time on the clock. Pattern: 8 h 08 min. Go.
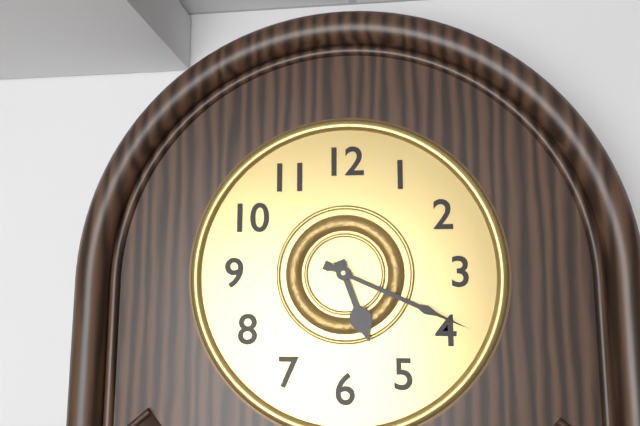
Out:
5 h 19 min
